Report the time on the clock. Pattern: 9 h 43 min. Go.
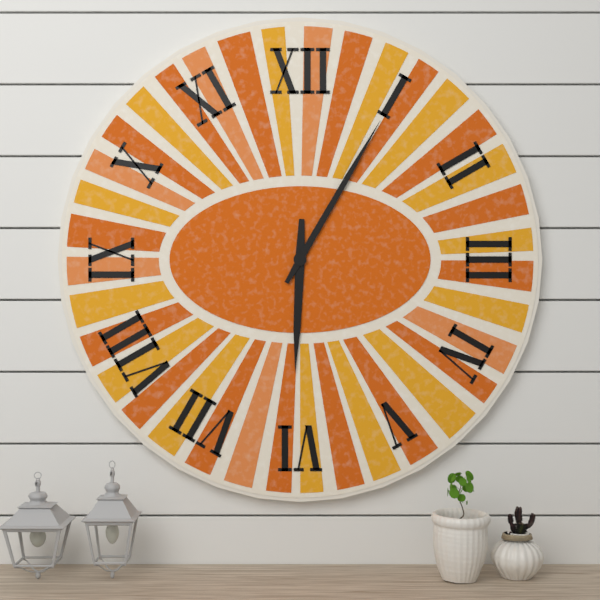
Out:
6 h 05 min
